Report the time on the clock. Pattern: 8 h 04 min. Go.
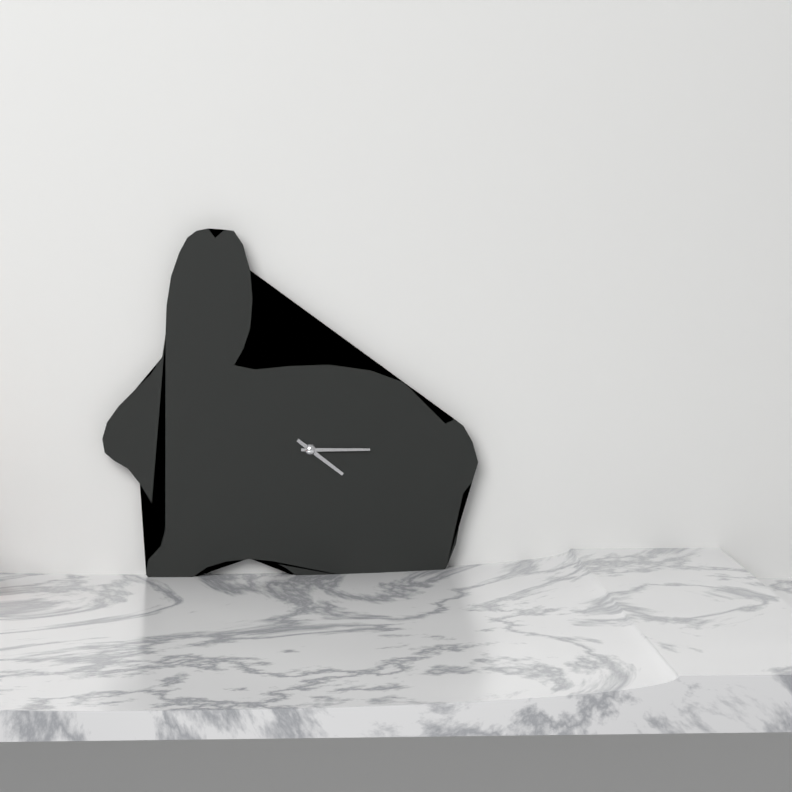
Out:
4 h 15 min
